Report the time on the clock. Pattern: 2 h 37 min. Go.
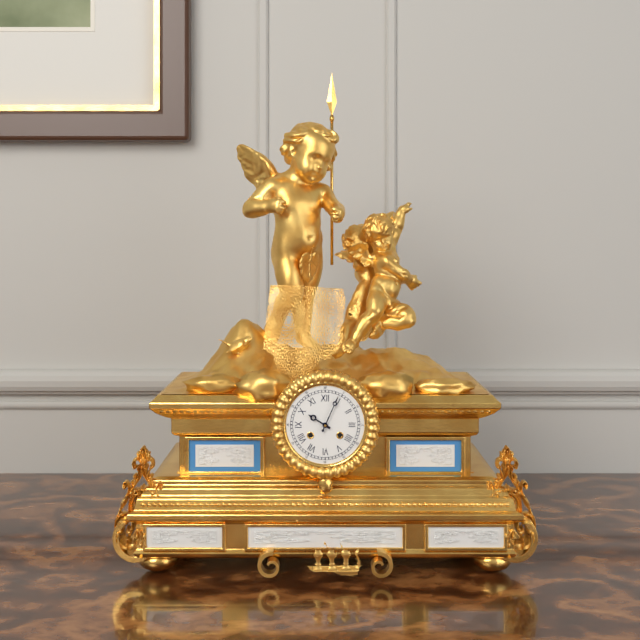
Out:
10 h 04 min
